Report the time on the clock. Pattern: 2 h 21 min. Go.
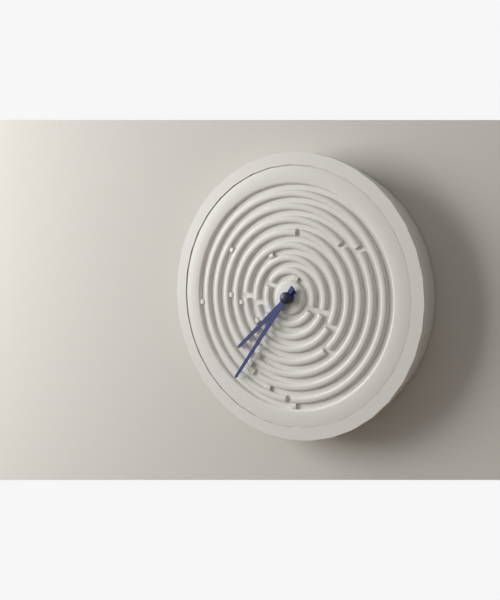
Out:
7 h 36 min
